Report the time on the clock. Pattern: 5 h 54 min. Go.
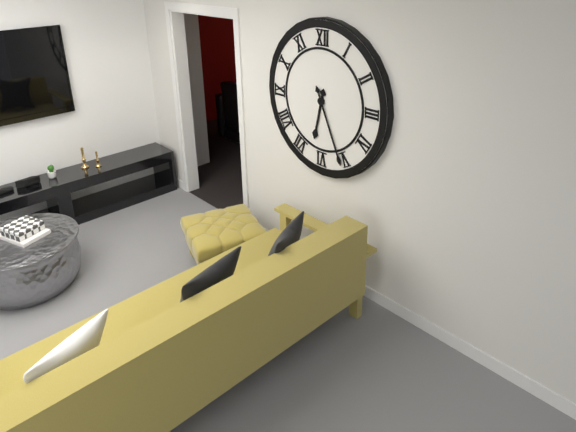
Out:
6 h 26 min
